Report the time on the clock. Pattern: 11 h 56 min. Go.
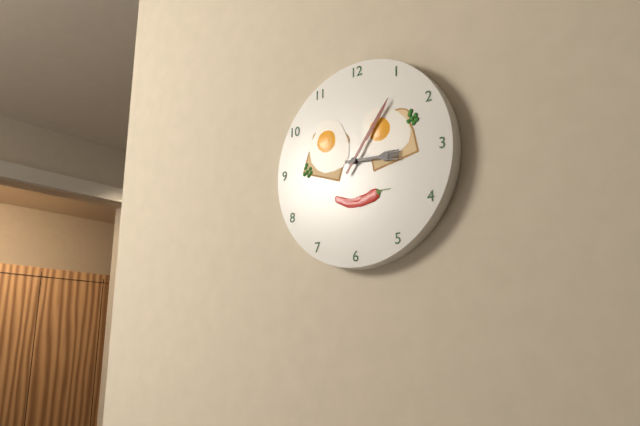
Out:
3 h 06 min
